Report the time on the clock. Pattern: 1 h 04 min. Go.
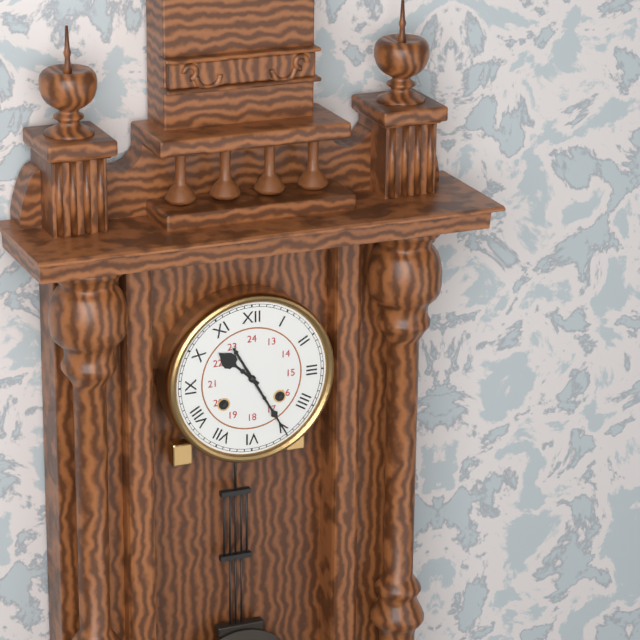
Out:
10 h 25 min
